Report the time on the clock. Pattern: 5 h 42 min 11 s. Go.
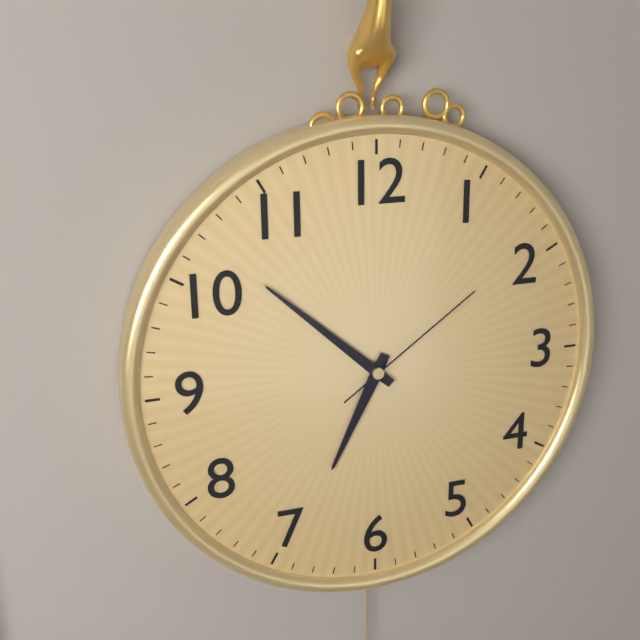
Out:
6 h 52 min 09 s
